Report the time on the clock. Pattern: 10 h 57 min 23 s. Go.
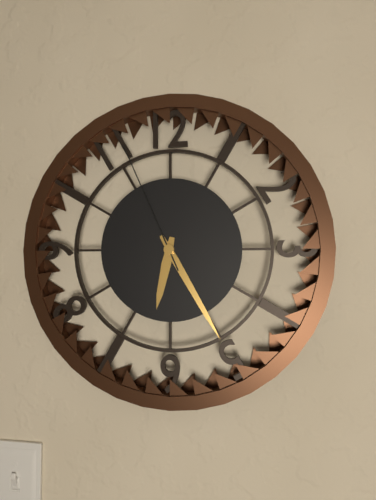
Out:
6 h 25 min 56 s
